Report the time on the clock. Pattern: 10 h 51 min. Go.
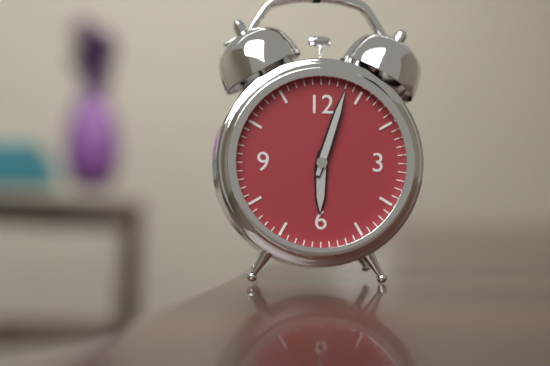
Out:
6 h 03 min
